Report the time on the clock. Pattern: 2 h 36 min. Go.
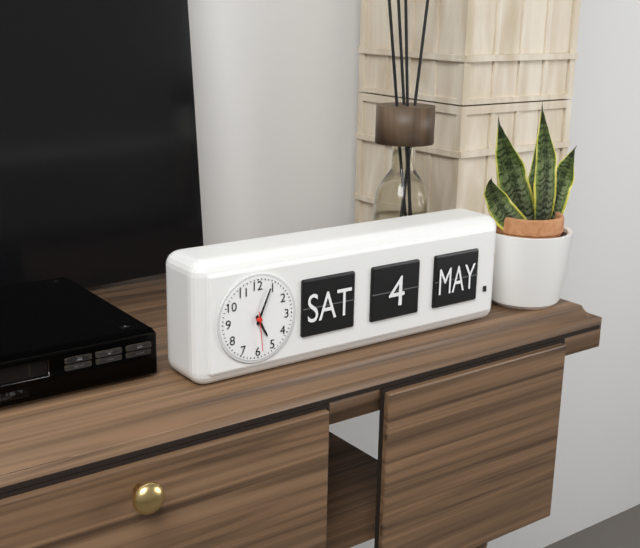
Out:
5 h 04 min
